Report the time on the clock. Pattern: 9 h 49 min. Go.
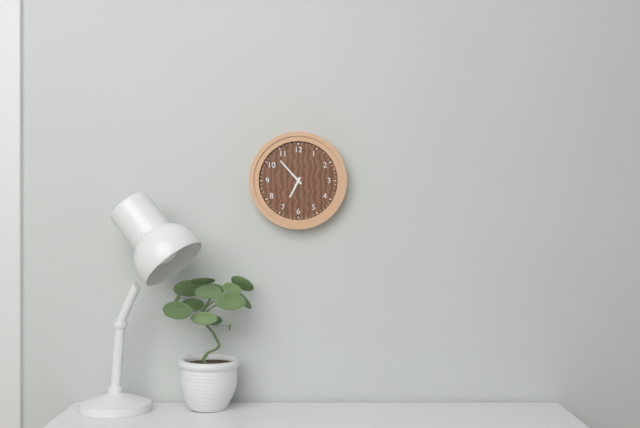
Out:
6 h 53 min
